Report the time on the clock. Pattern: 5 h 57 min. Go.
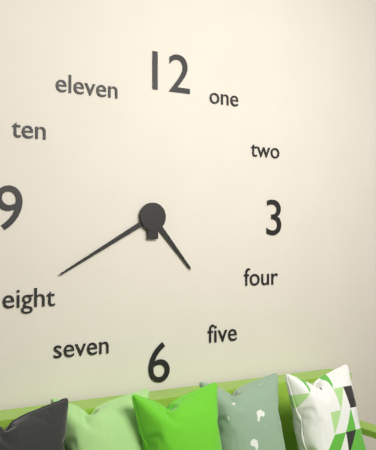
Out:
4 h 40 min
